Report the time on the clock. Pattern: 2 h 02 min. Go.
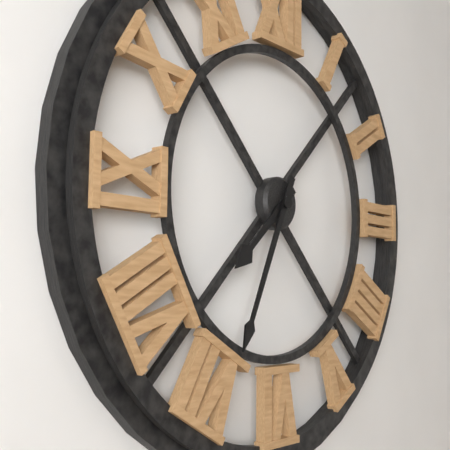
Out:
7 h 34 min
